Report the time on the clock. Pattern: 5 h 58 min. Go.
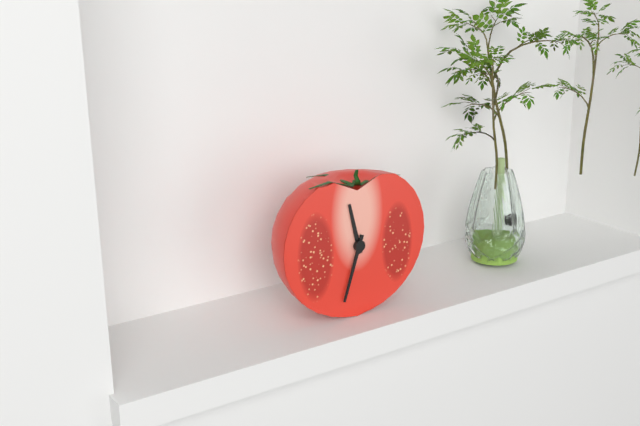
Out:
11 h 33 min
